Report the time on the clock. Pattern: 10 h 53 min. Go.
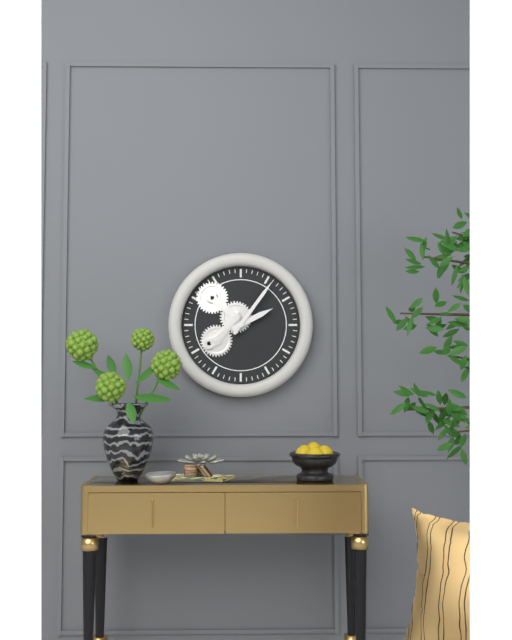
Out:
2 h 06 min
